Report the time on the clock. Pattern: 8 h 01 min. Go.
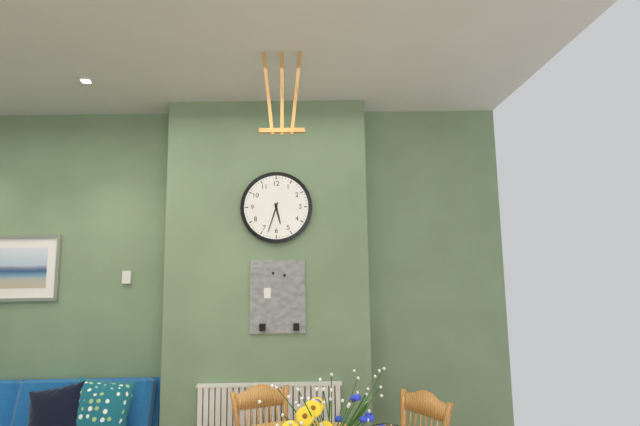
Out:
5 h 33 min
